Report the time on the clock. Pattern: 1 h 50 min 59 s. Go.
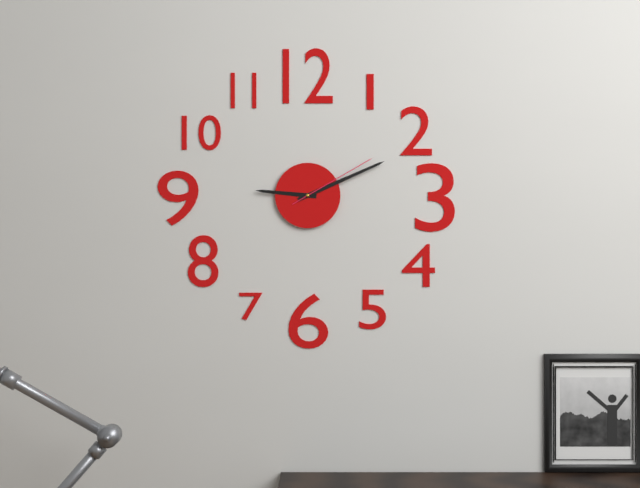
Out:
9 h 11 min 10 s
